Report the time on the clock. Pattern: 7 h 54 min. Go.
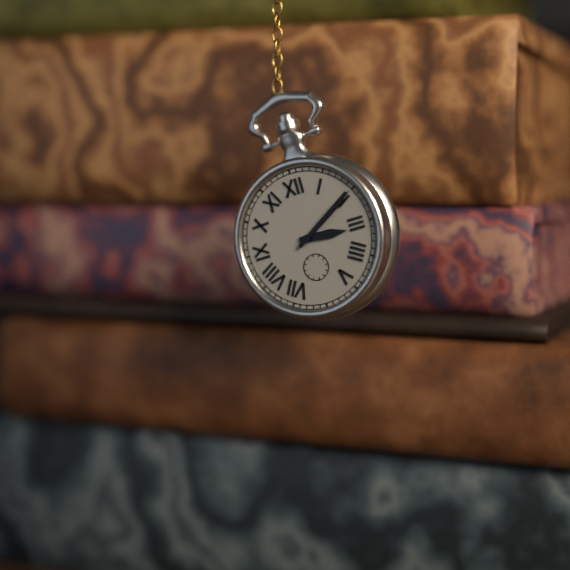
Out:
3 h 10 min
